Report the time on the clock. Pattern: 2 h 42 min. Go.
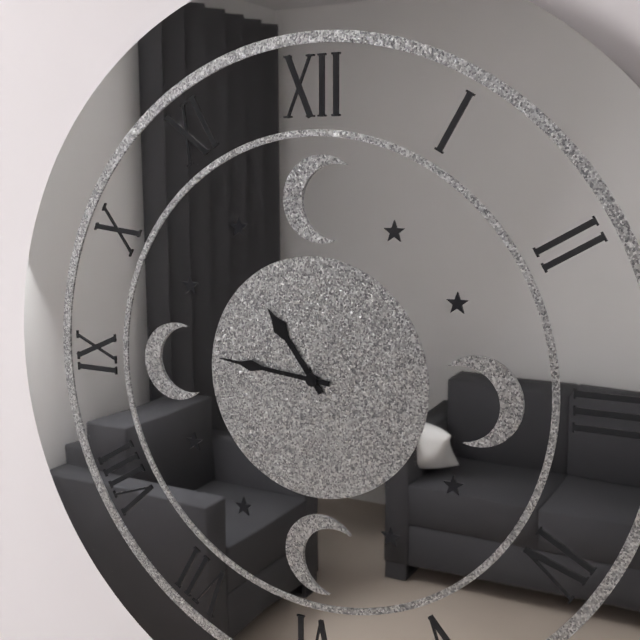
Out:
10 h 46 min
